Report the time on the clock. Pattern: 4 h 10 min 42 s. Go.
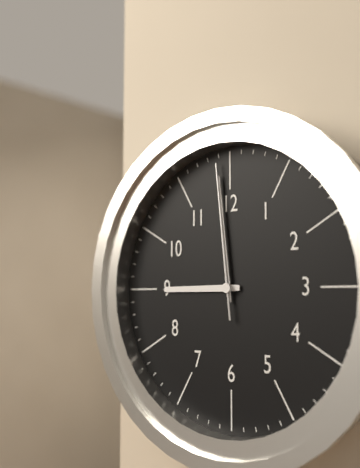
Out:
8 h 59 min 59 s
